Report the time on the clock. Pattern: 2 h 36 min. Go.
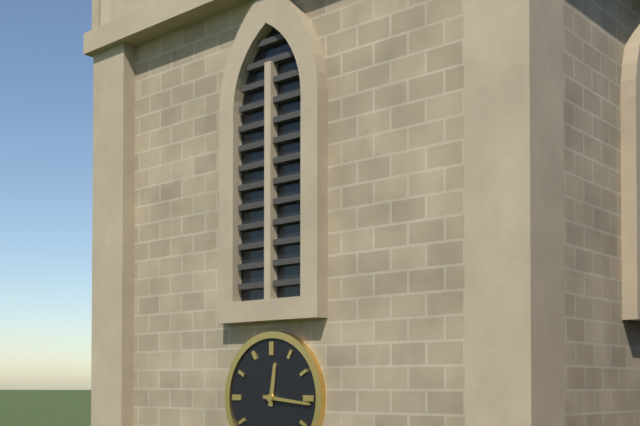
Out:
12 h 16 min
